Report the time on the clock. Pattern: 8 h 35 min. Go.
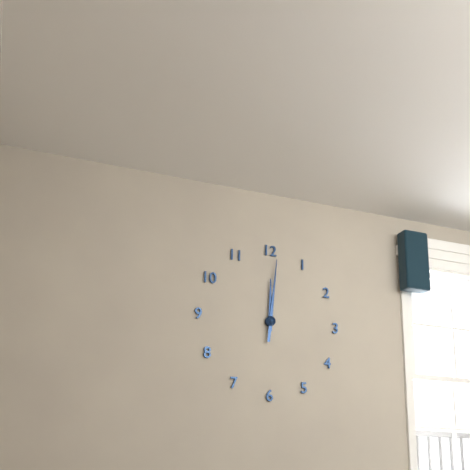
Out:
12 h 01 min
